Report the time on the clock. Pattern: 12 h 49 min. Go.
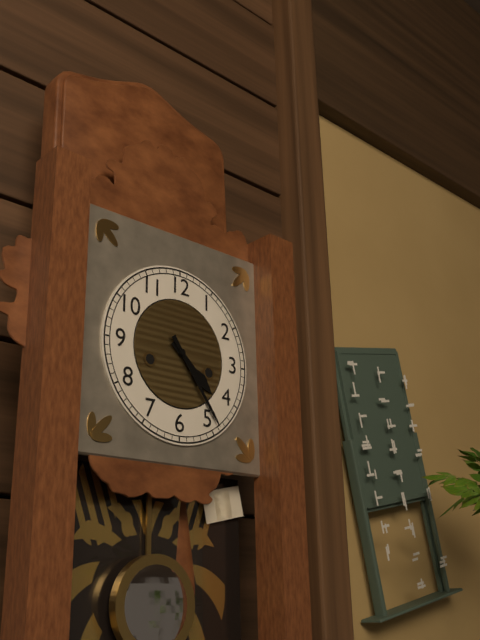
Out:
4 h 24 min
